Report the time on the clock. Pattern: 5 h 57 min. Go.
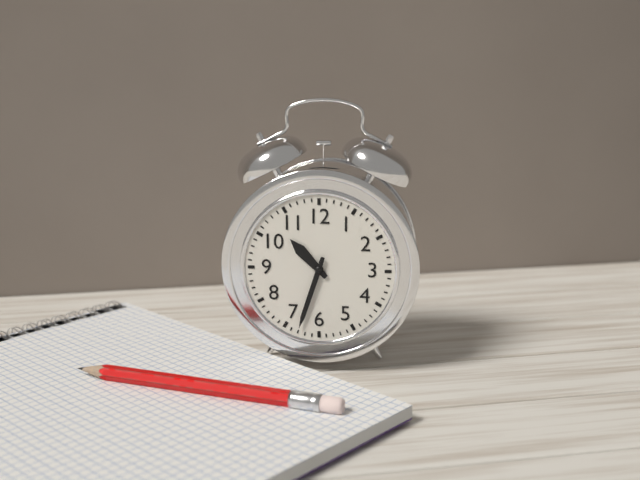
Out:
10 h 33 min
